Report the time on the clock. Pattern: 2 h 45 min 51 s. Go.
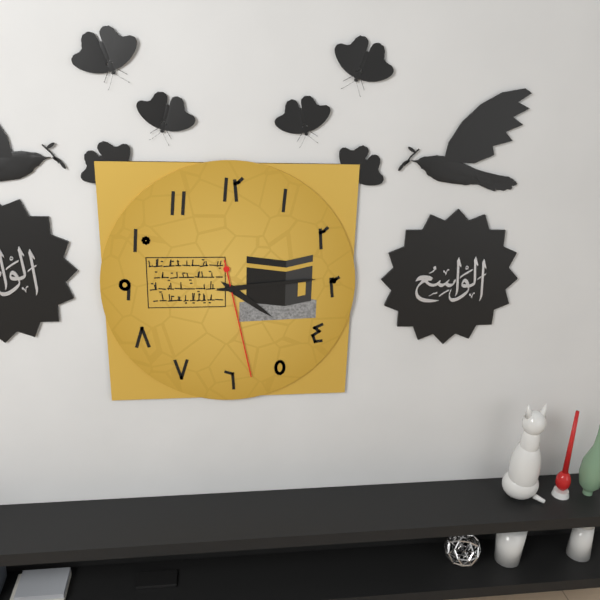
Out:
4 h 14 min 28 s
